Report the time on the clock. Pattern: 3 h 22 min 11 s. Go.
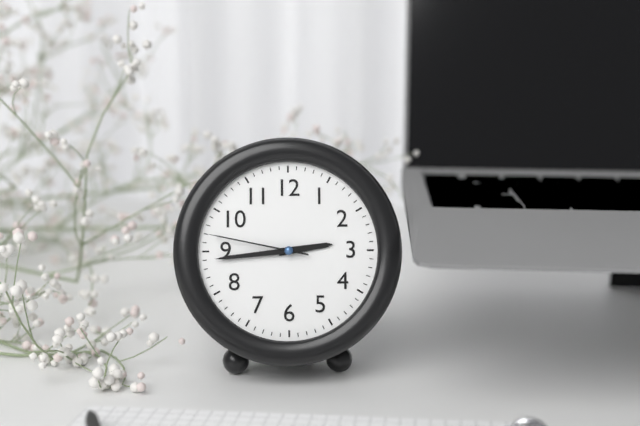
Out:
2 h 44 min 47 s
